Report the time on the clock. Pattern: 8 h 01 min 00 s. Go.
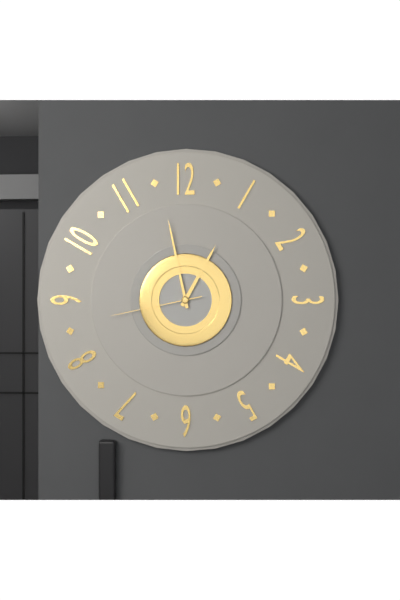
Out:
12 h 58 min 43 s
